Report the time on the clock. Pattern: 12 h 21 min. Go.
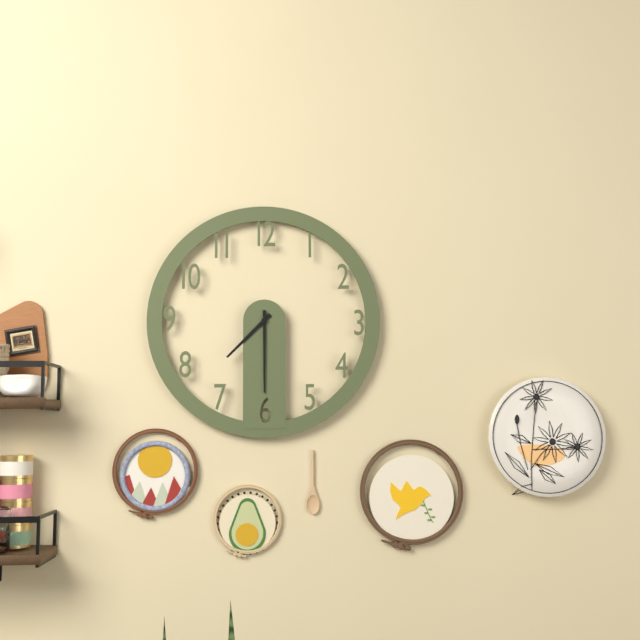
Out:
7 h 30 min
